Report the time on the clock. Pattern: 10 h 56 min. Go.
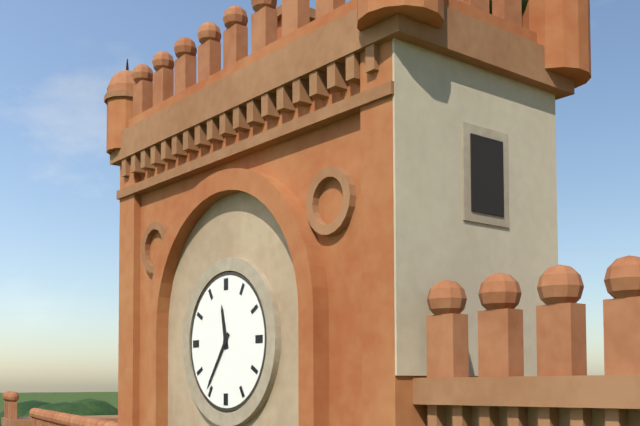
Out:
11 h 36 min
